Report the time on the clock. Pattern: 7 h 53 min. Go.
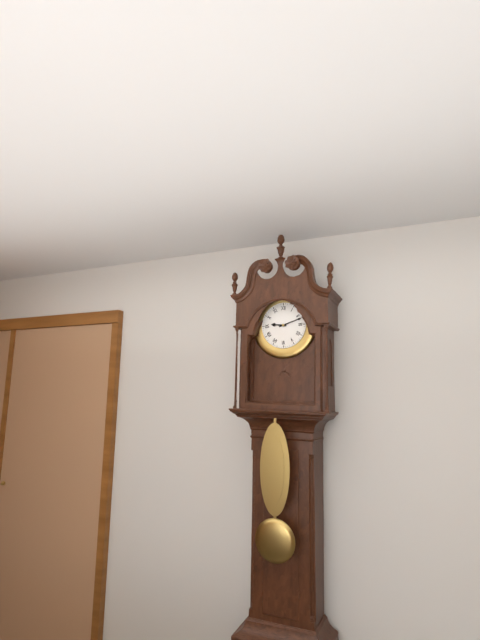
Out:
9 h 12 min
